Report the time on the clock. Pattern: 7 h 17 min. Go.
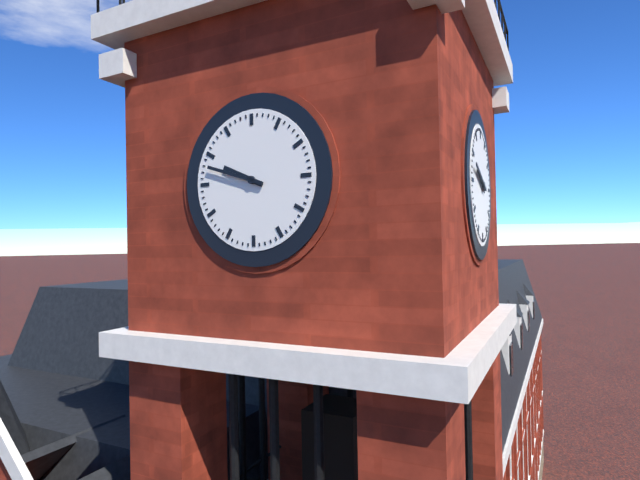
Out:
9 h 48 min
